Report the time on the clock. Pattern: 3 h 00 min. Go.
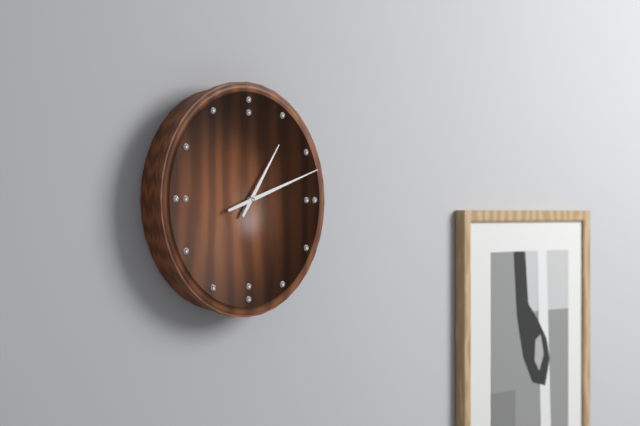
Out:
1 h 12 min
